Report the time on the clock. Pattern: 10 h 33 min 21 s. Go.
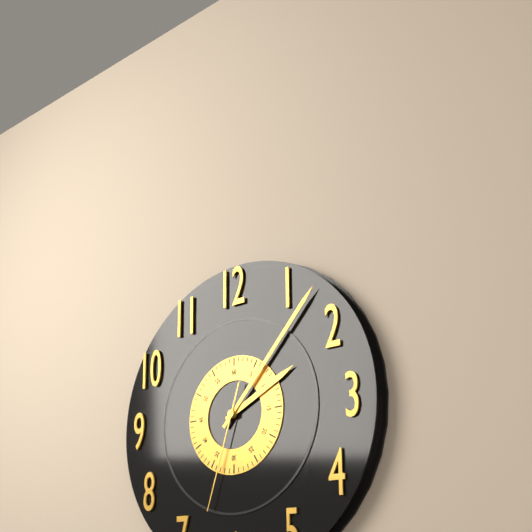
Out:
2 h 07 min 33 s
